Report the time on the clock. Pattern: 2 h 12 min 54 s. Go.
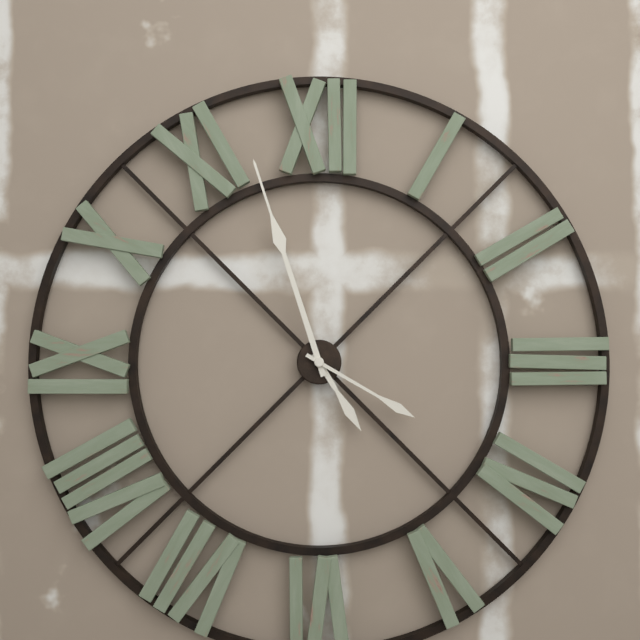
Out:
4 h 57 min 20 s
